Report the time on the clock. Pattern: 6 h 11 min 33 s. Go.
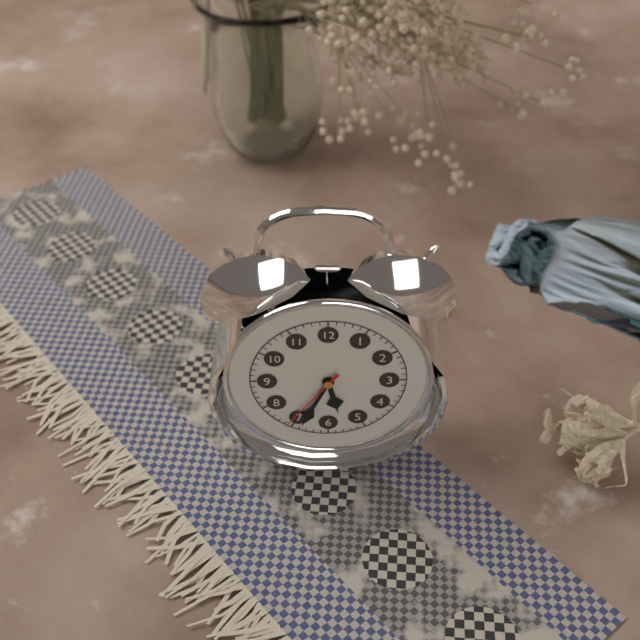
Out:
5 h 34 min 36 s
